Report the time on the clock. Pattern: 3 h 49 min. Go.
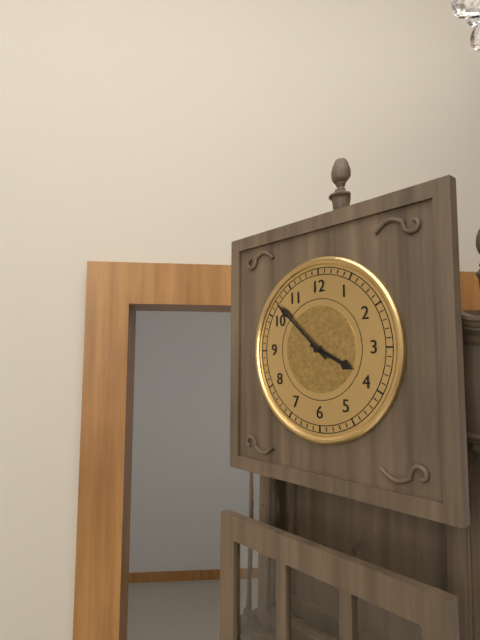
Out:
3 h 52 min
